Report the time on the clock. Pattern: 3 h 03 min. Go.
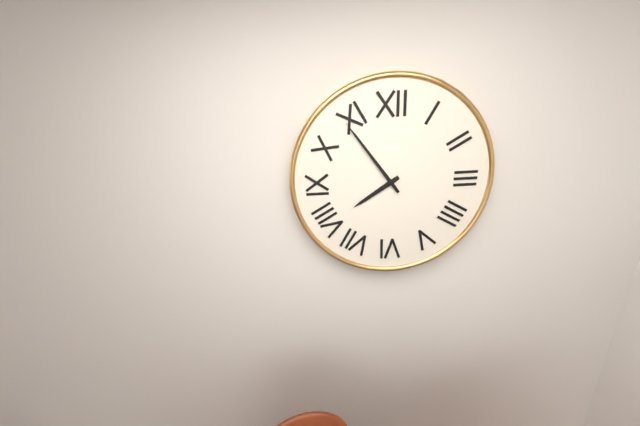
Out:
7 h 54 min
